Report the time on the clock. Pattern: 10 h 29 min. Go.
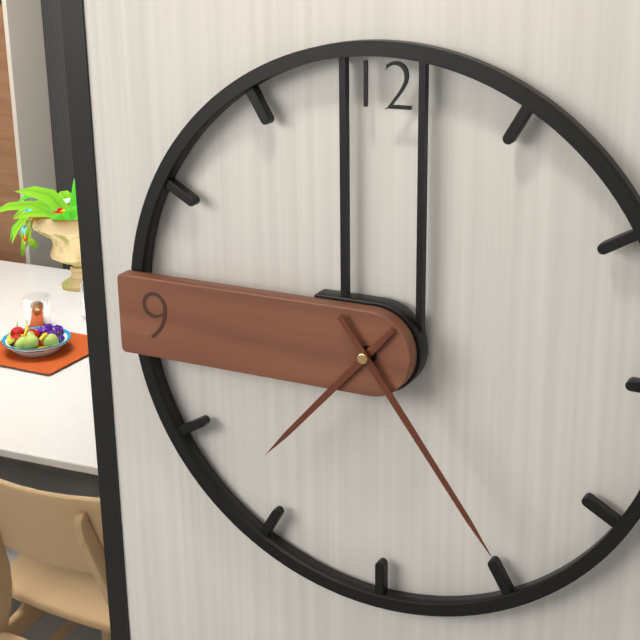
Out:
7 h 24 min
